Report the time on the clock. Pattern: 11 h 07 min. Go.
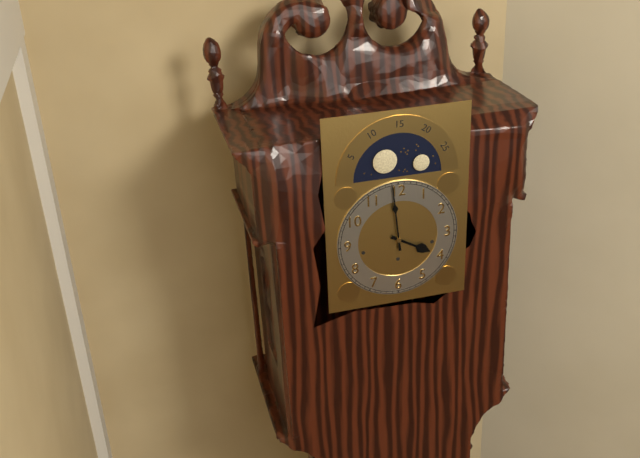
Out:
3 h 59 min
